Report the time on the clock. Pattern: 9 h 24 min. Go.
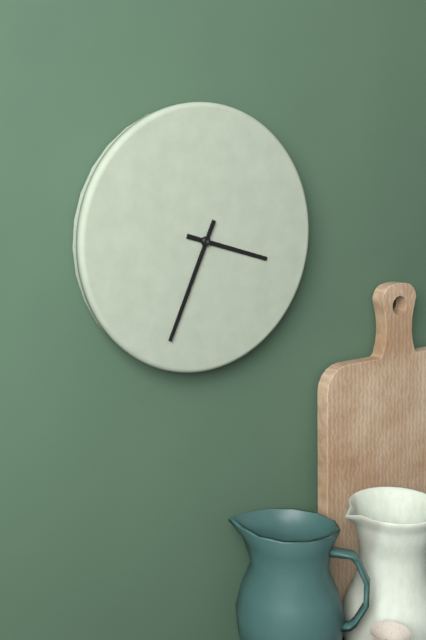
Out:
3 h 34 min
